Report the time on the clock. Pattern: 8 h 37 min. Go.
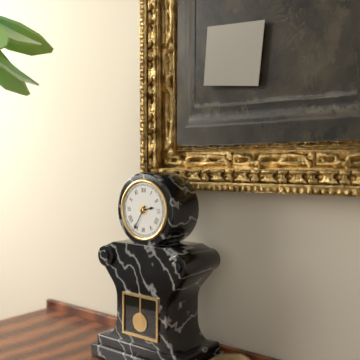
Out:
2 h 35 min
